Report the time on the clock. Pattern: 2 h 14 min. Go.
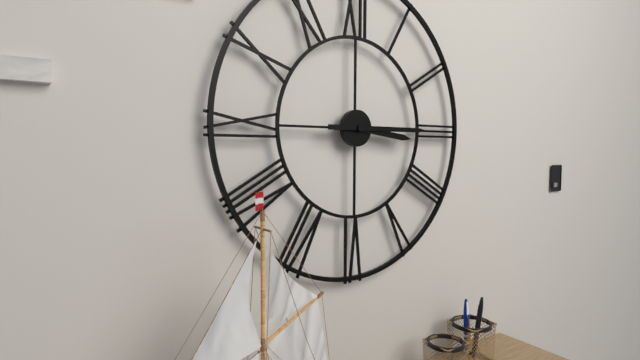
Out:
3 h 15 min
